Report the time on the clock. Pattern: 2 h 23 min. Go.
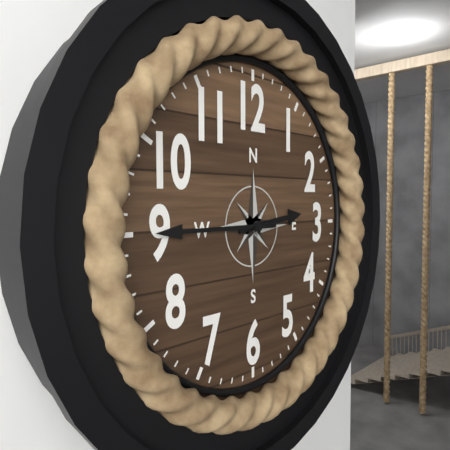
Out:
2 h 45 min
